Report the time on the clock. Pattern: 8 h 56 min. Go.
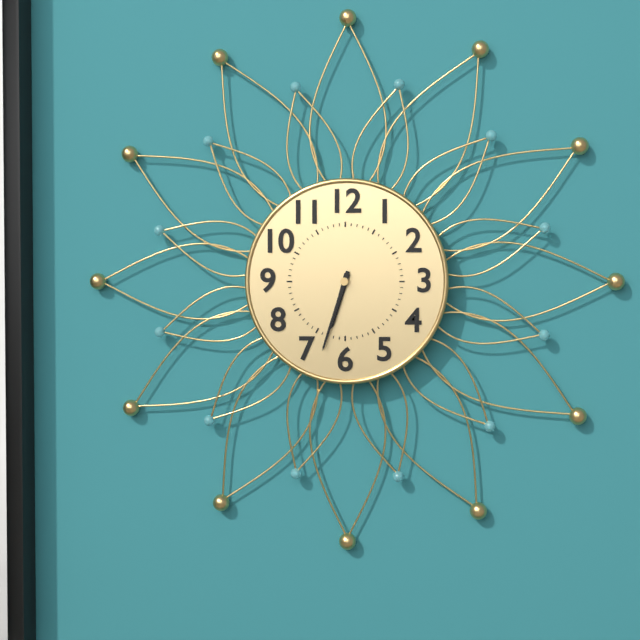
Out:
6 h 33 min
